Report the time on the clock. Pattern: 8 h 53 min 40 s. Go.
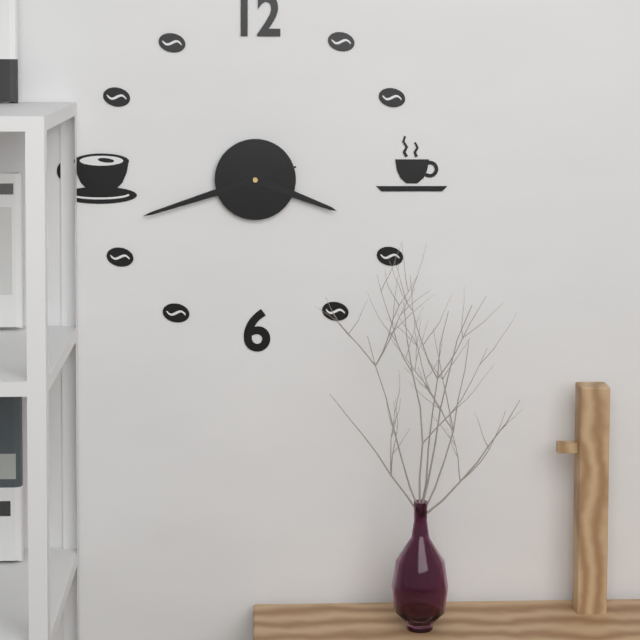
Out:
3 h 42 min 42 s
